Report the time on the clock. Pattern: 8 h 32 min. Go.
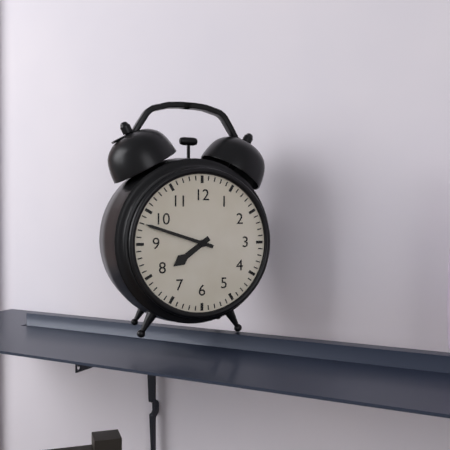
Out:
7 h 48 min
